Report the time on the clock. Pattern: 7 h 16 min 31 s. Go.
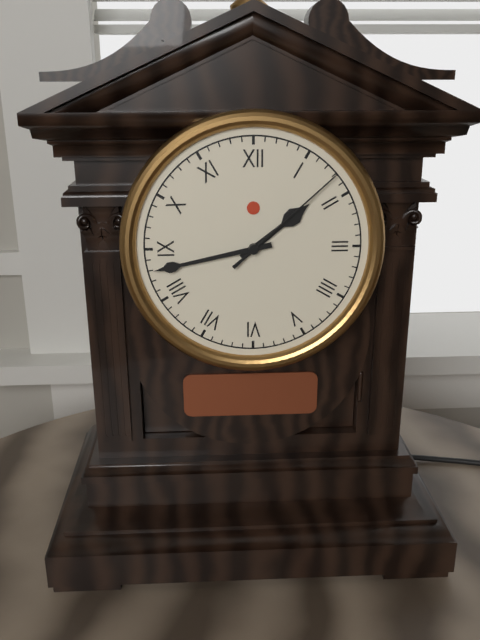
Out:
1 h 43 min 08 s
